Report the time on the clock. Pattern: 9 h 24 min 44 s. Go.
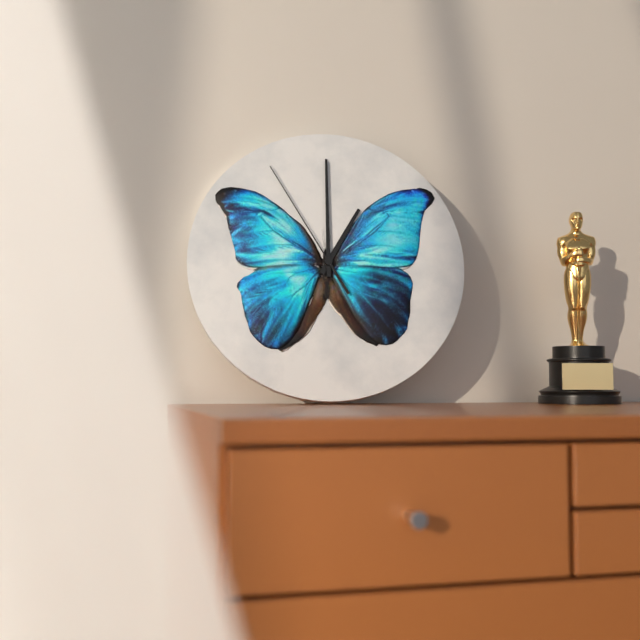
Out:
1 h 00 min 55 s
